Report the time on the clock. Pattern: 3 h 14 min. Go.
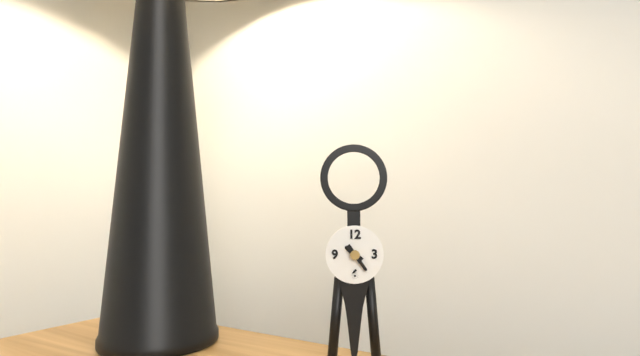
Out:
10 h 24 min
